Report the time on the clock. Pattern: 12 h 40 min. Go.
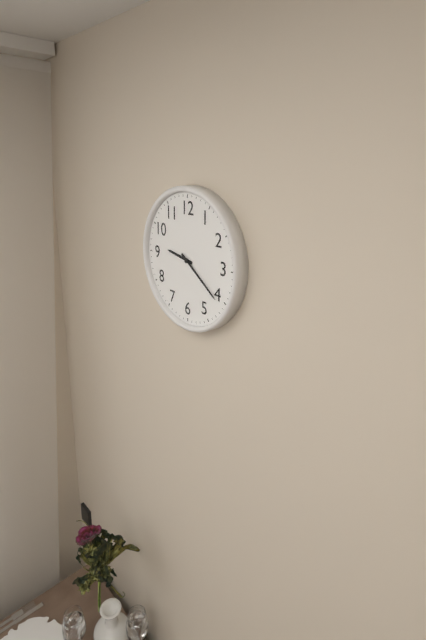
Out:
9 h 21 min
